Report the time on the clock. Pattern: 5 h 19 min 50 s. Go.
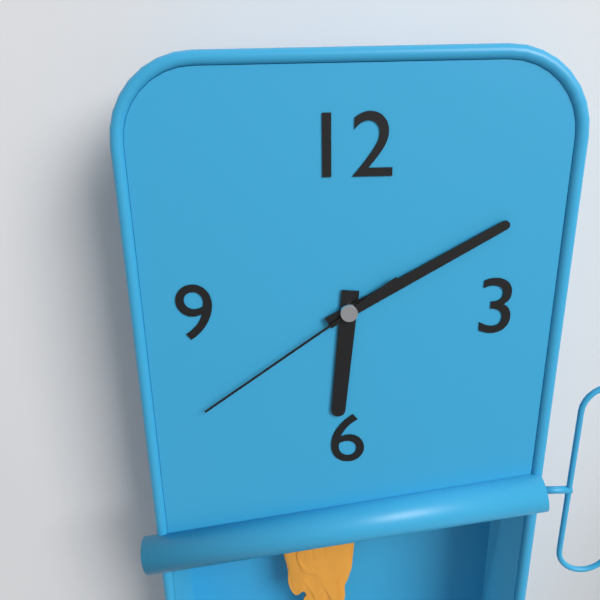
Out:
6 h 10 min 39 s
